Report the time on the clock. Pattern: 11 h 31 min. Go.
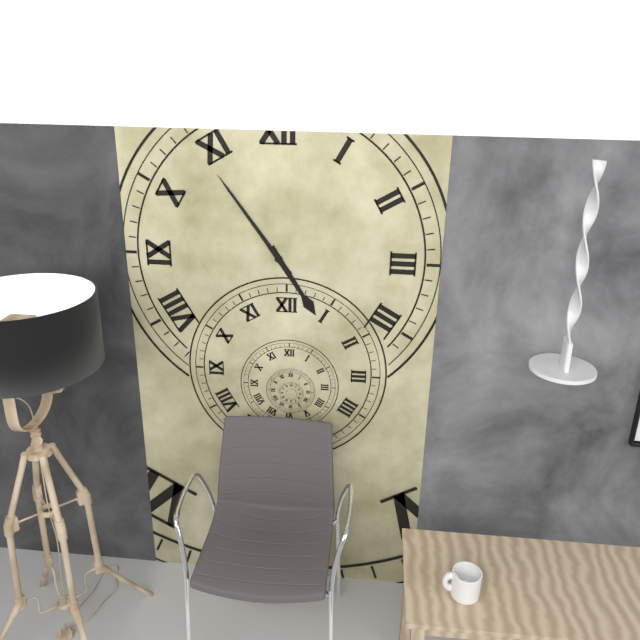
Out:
4 h 54 min
